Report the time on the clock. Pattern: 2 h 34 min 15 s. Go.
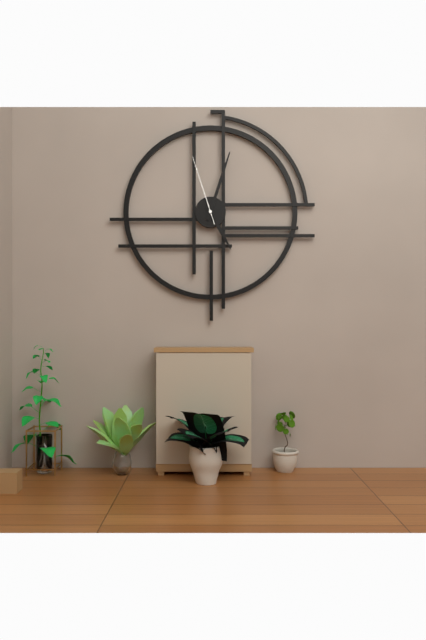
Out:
5 h 03 min 57 s
